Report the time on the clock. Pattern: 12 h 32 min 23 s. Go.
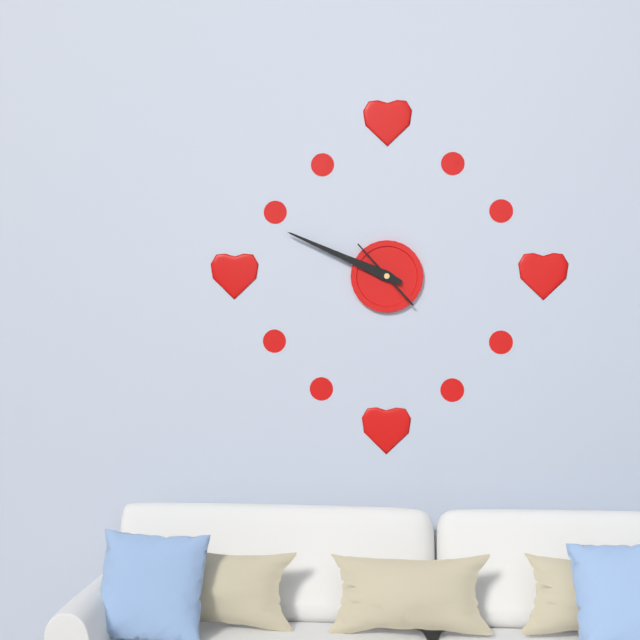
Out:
9 h 49 min 53 s
